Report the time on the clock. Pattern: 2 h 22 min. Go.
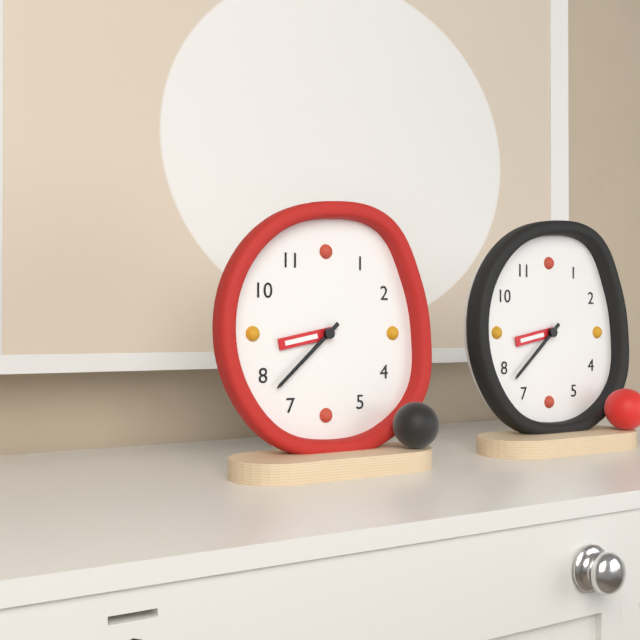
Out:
8 h 38 min
